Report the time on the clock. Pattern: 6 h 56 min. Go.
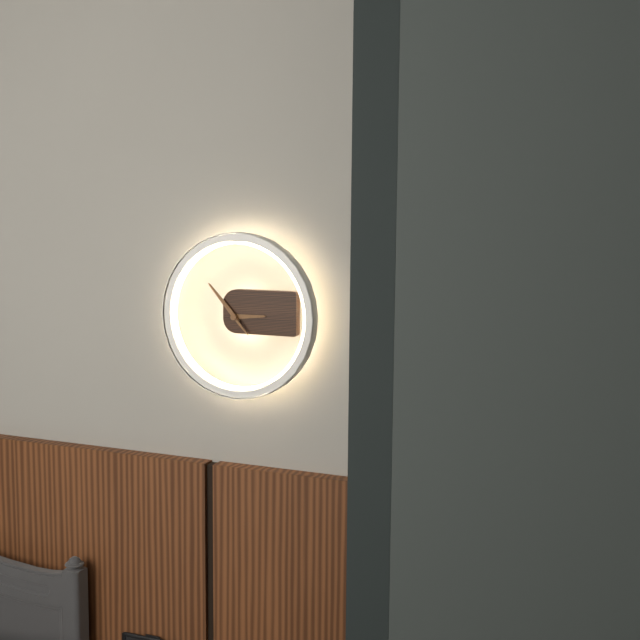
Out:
2 h 53 min
